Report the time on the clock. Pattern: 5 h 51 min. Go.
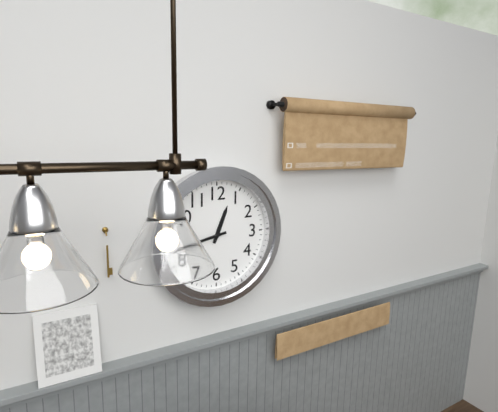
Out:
12 h 43 min
